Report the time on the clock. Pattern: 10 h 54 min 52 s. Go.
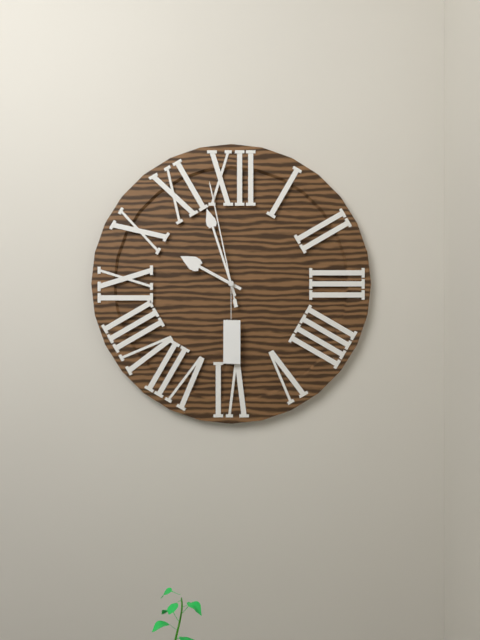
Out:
9 h 57 min 58 s
